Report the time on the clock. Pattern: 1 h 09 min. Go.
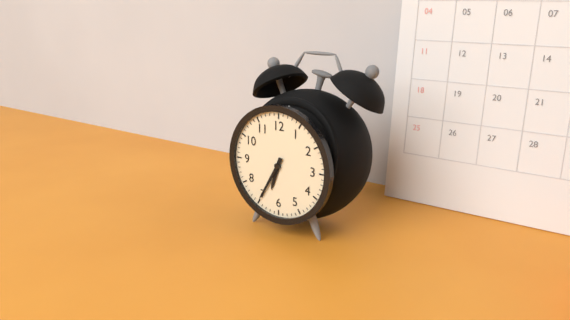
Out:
6 h 35 min
